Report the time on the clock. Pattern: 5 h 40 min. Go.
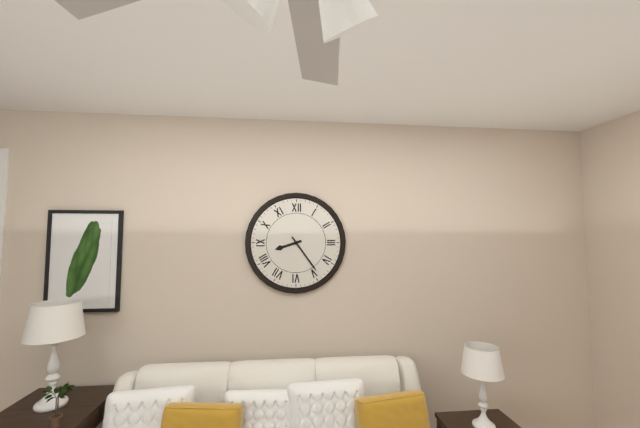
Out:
8 h 24 min
